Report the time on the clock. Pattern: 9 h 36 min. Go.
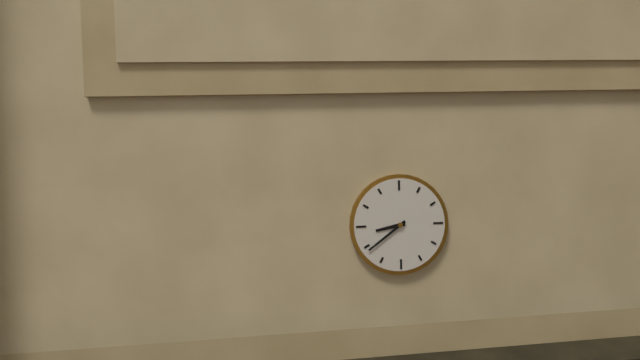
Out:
8 h 39 min
